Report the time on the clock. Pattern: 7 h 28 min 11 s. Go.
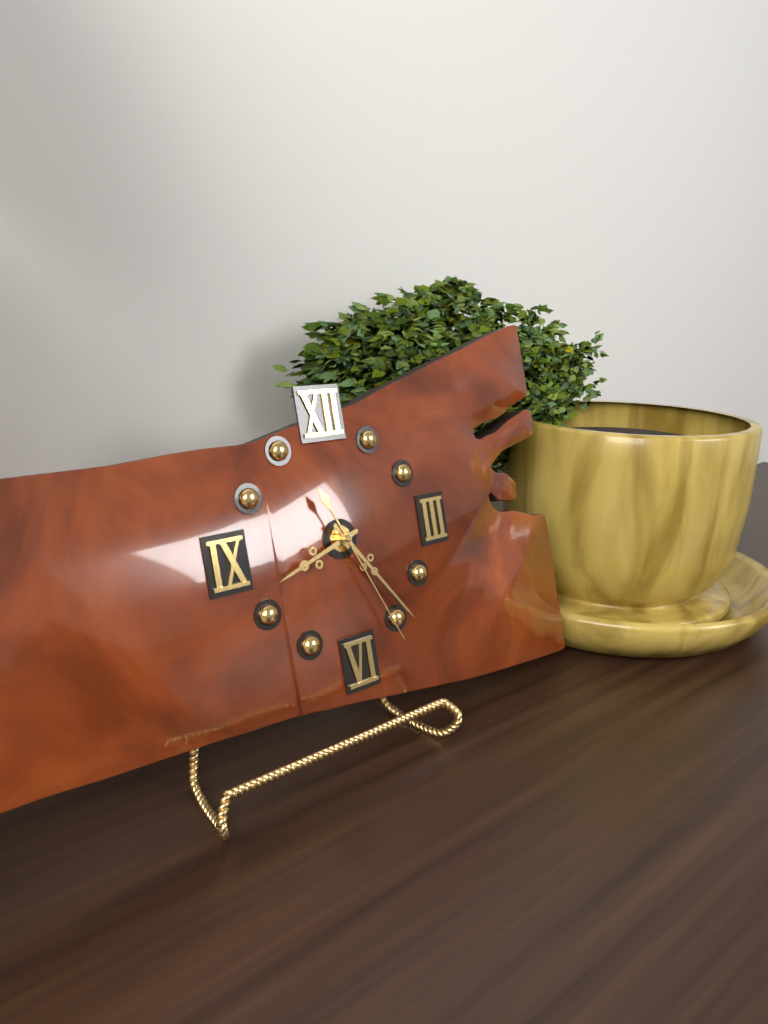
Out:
8 h 24 min 26 s
